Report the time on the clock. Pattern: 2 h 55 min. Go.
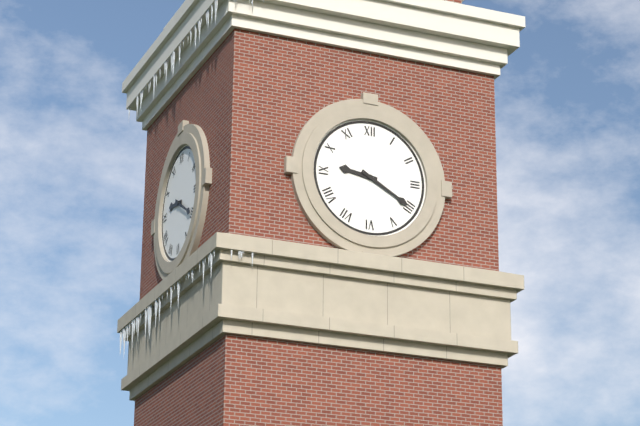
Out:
9 h 20 min
